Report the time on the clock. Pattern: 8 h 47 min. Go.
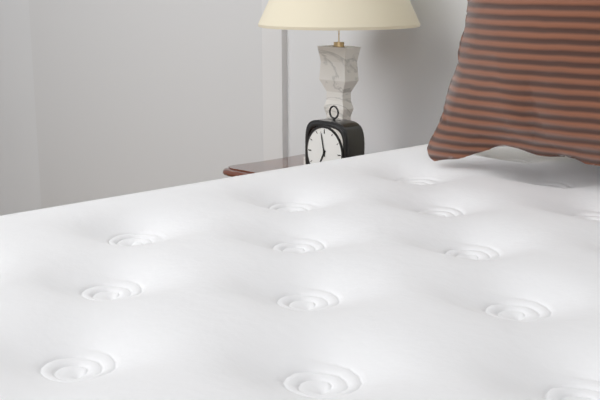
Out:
6 h 58 min
